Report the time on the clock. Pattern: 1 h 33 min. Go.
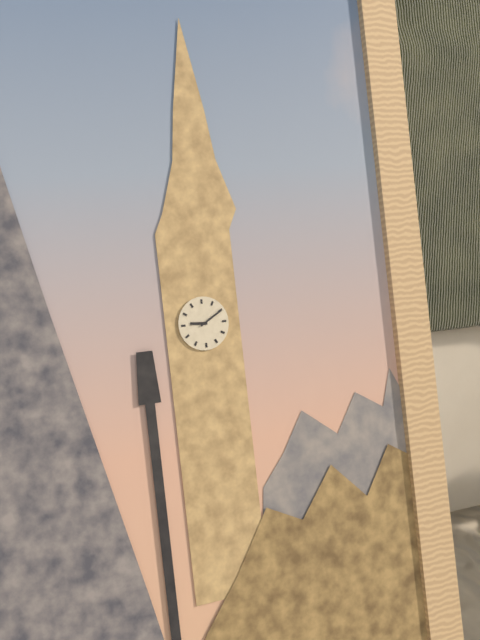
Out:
9 h 10 min
